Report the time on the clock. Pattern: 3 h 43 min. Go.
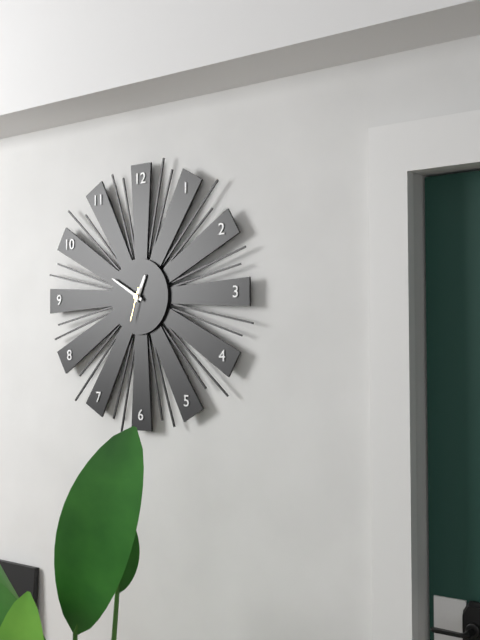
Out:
12 h 50 min
